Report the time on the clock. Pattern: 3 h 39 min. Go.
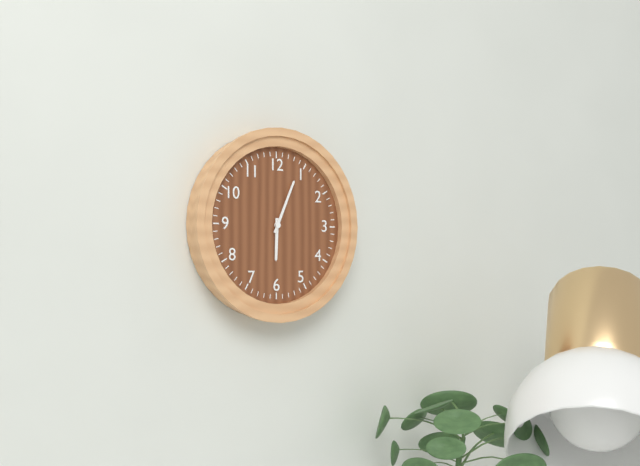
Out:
6 h 04 min
